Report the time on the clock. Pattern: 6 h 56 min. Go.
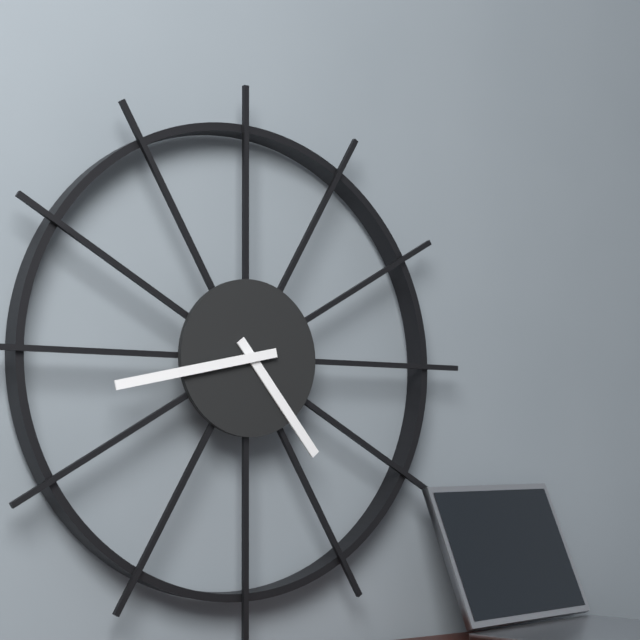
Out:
4 h 43 min
